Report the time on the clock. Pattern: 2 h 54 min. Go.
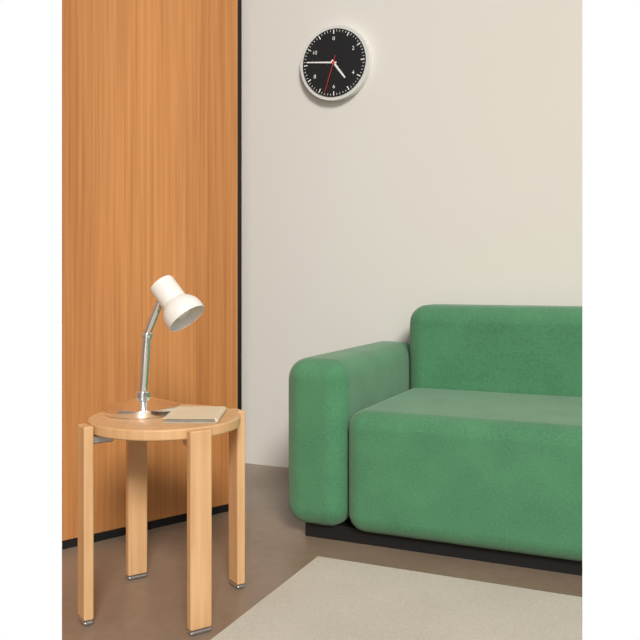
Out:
4 h 46 min
